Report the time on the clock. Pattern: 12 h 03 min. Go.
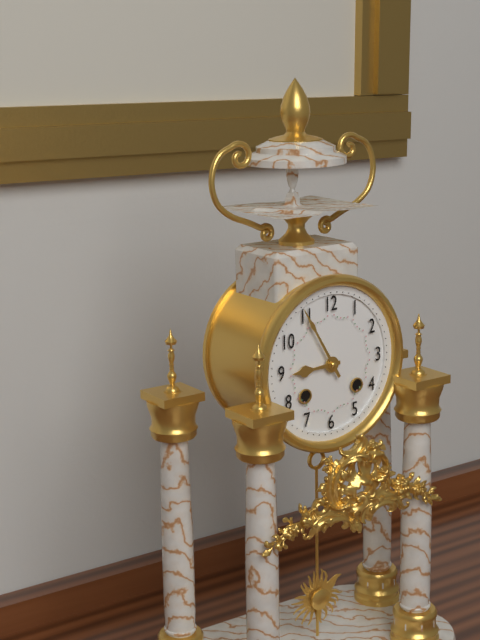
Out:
8 h 55 min
